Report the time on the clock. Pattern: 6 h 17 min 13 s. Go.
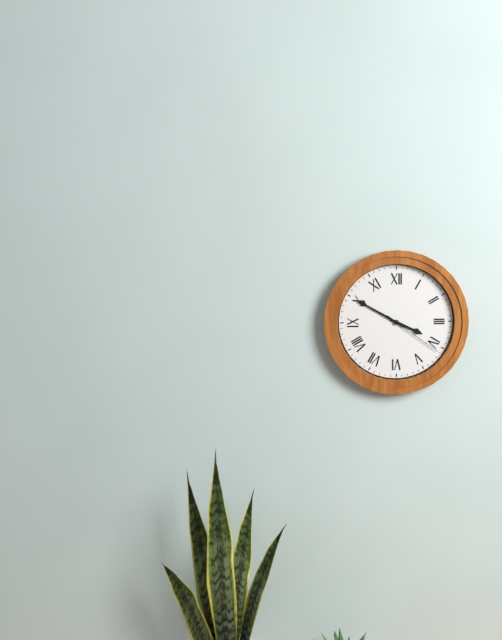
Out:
3 h 50 min 21 s
